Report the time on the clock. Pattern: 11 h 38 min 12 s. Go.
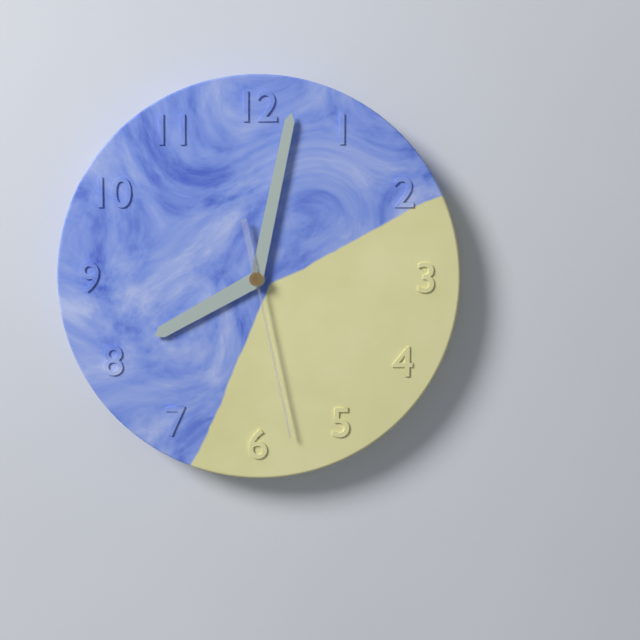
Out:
8 h 02 min 28 s
